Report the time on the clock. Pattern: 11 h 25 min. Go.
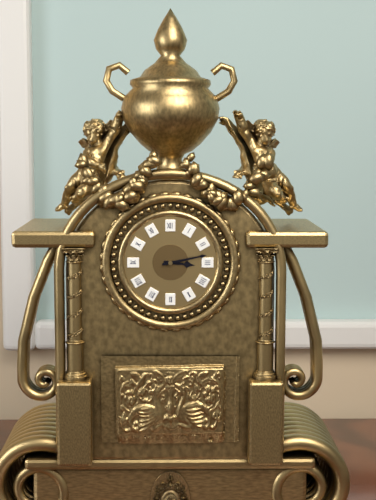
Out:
3 h 13 min
